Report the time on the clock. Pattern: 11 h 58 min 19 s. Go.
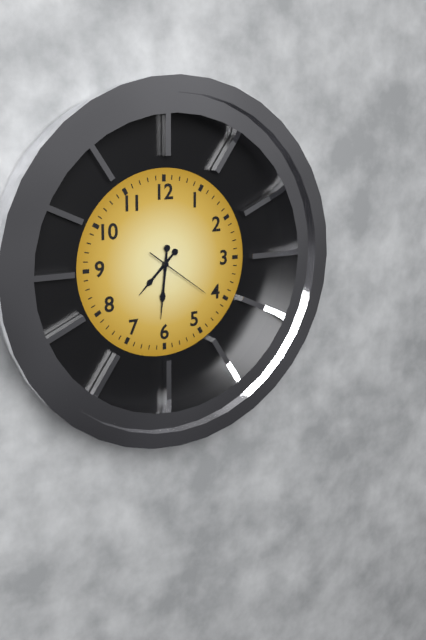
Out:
7 h 31 min 21 s
